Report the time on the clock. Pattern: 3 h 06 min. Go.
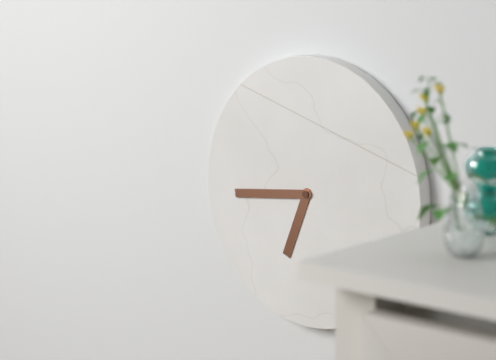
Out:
6 h 44 min
